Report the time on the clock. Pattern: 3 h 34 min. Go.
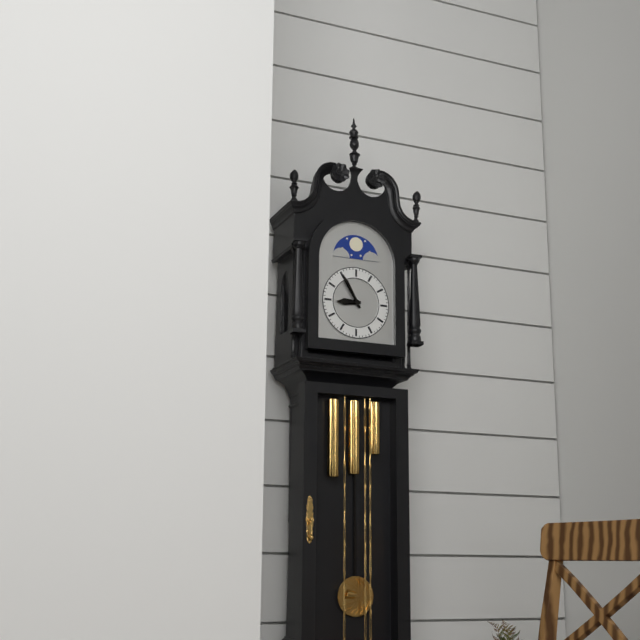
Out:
8 h 55 min
